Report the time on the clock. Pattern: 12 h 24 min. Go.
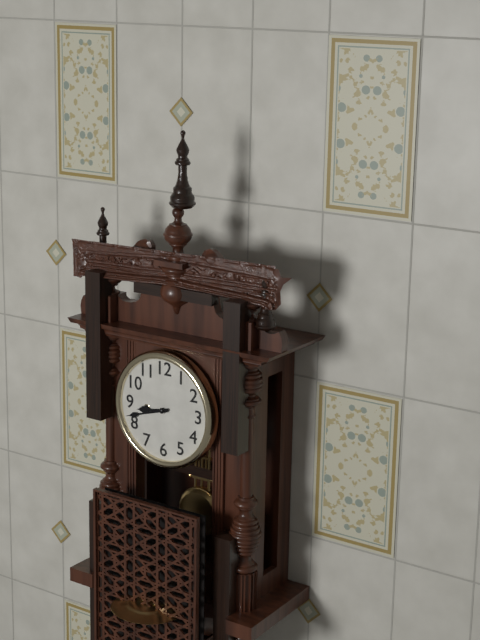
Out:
8 h 42 min
